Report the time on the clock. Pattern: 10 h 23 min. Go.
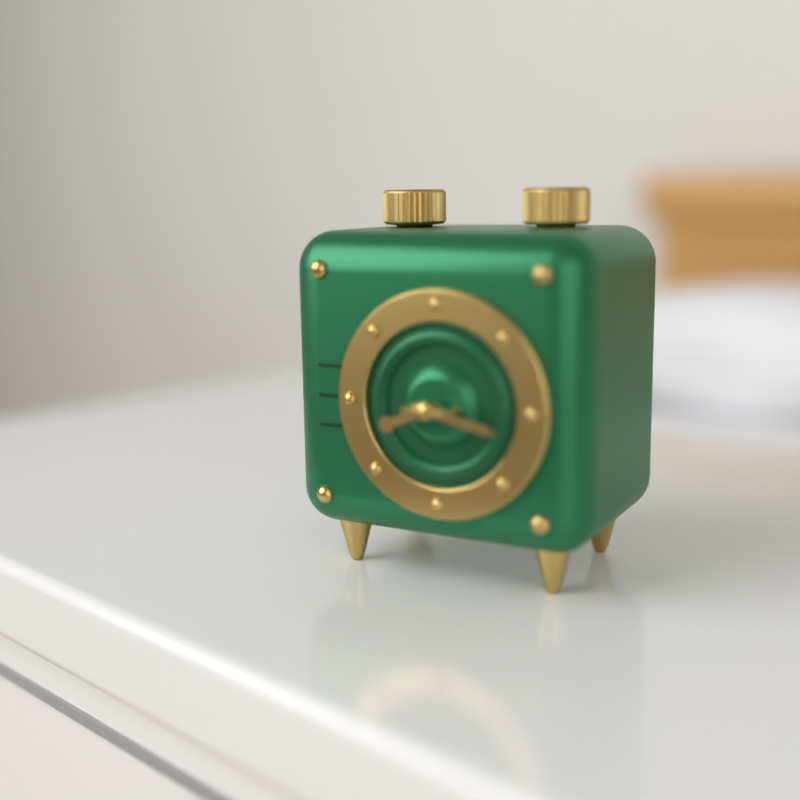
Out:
8 h 17 min
